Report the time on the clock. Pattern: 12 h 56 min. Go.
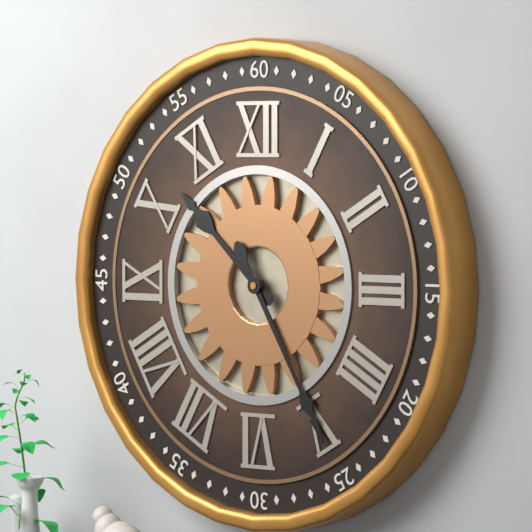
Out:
10 h 25 min
